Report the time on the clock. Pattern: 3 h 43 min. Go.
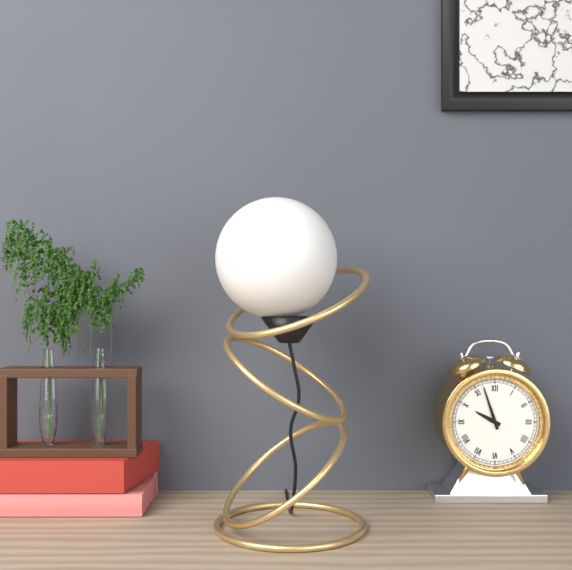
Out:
9 h 57 min
